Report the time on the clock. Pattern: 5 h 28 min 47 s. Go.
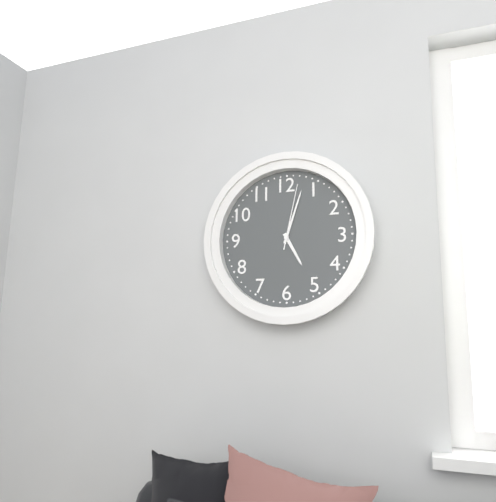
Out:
5 h 03 min 02 s
